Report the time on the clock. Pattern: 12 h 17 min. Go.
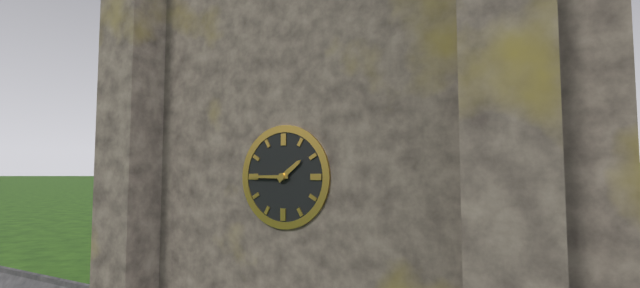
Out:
1 h 45 min
